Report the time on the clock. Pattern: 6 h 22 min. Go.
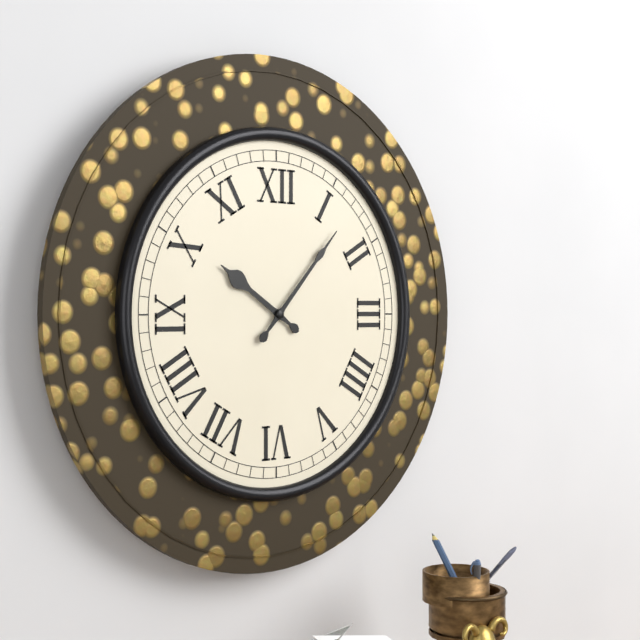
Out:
10 h 07 min
